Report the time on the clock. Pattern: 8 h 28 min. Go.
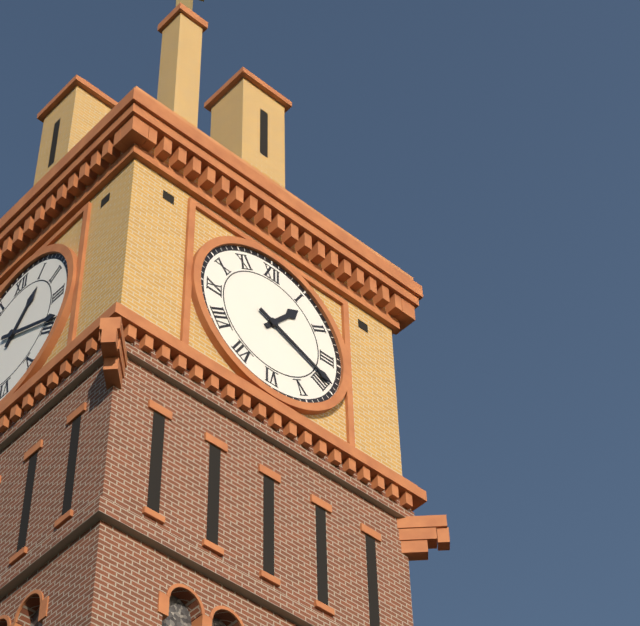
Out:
1 h 19 min
